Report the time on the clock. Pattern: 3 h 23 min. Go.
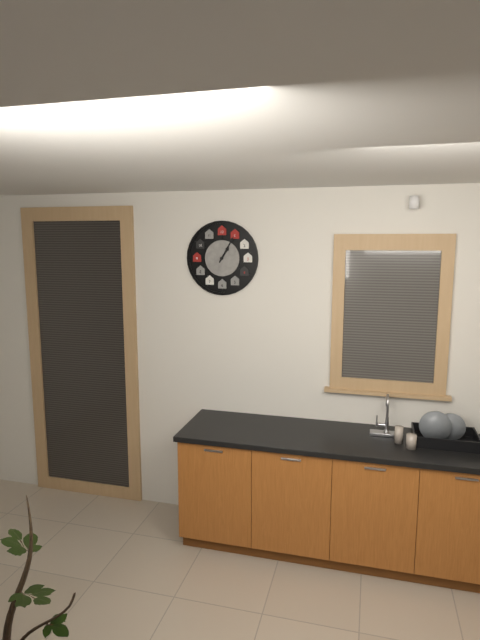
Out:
1 h 05 min
